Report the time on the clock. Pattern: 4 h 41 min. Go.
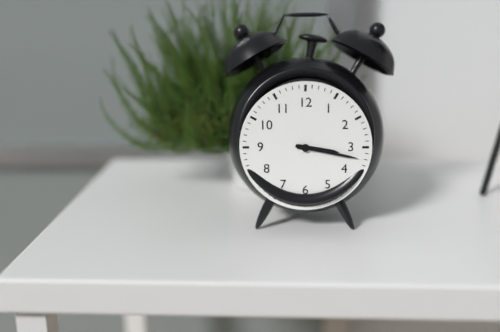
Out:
3 h 17 min
